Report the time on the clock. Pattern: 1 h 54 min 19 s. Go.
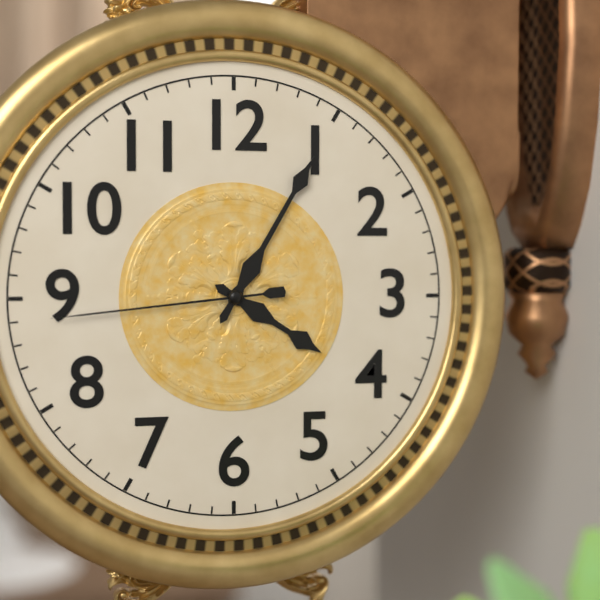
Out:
4 h 05 min 44 s
